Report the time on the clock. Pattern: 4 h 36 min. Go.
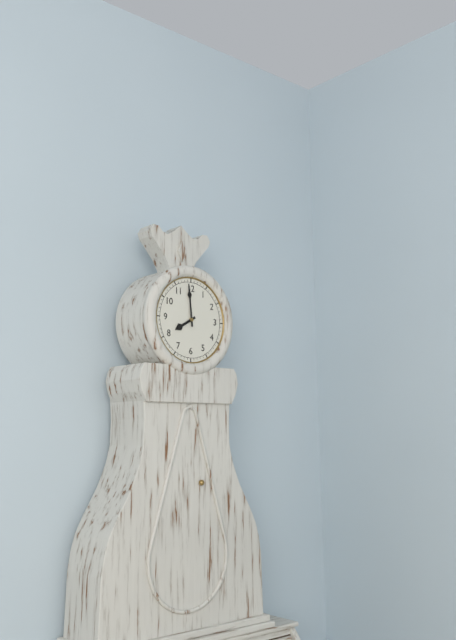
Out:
7 h 59 min
